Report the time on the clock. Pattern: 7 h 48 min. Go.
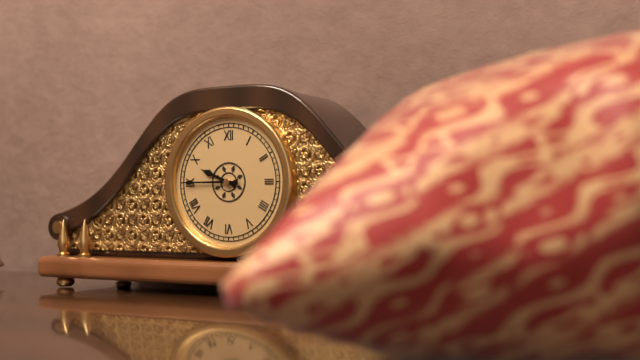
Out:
9 h 45 min
